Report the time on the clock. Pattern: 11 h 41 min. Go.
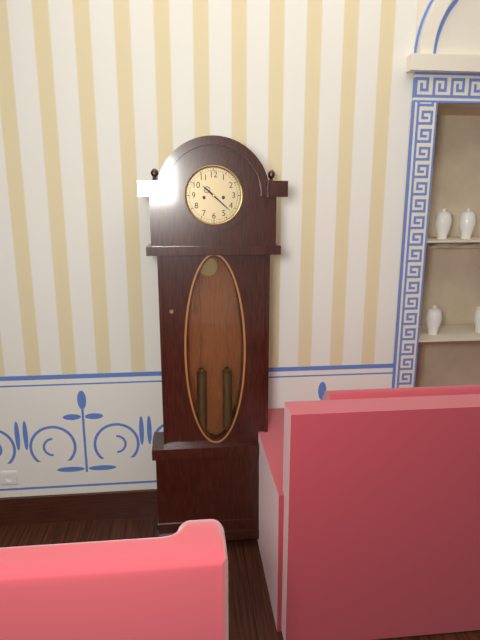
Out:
10 h 22 min
